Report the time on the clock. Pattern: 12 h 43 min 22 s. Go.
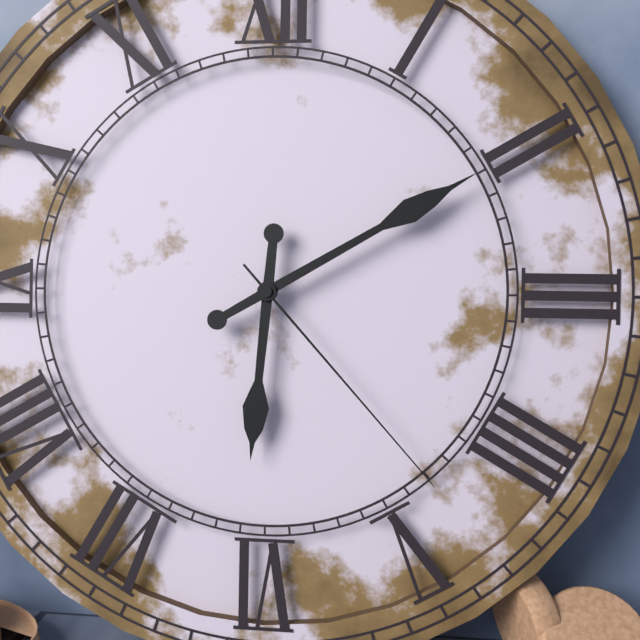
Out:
6 h 10 min 23 s
